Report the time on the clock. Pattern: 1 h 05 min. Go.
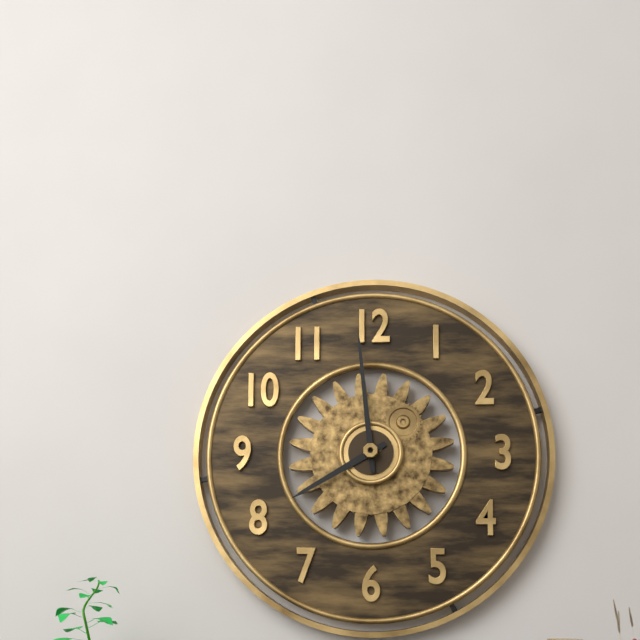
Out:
7 h 59 min
